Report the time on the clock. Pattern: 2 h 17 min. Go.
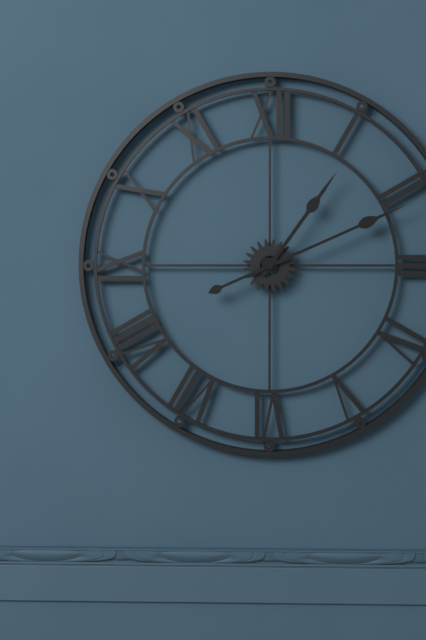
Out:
1 h 11 min
